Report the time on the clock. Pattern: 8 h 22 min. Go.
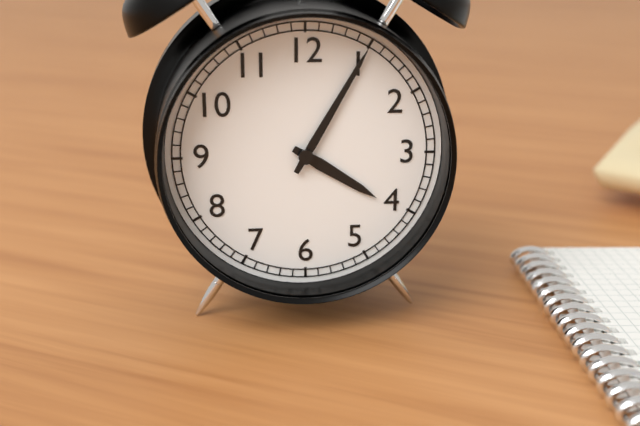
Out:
4 h 05 min
